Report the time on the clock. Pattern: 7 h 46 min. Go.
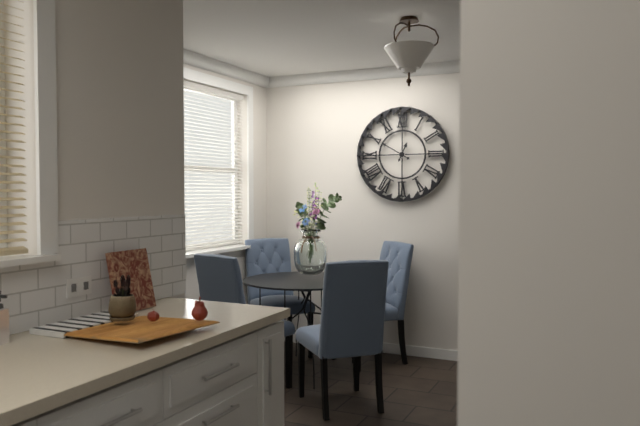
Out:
12 h 50 min
